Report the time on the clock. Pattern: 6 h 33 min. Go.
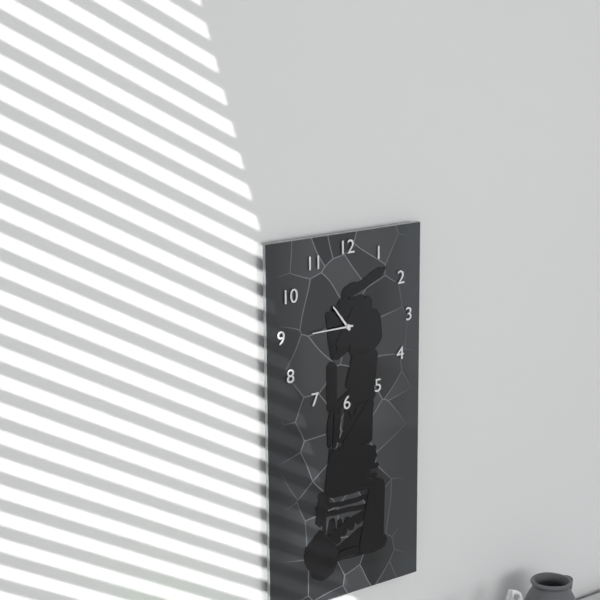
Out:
10 h 45 min
